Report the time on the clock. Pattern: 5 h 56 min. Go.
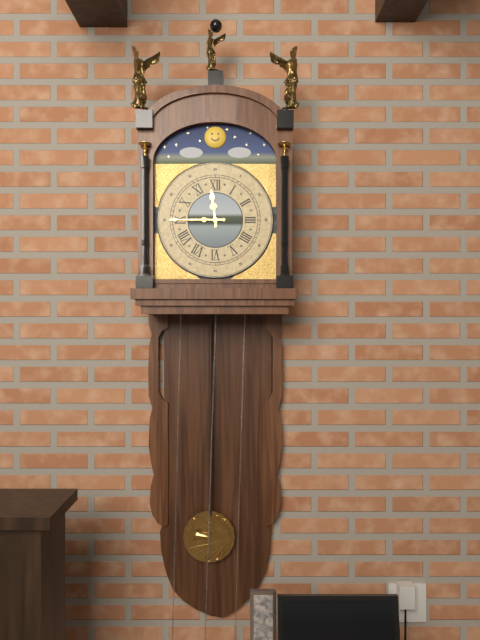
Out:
11 h 45 min
